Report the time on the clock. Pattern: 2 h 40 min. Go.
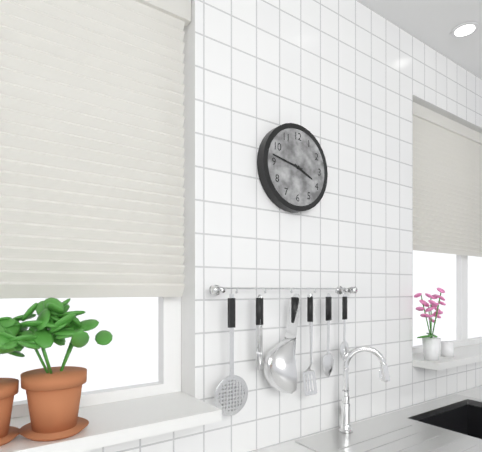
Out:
3 h 47 min
